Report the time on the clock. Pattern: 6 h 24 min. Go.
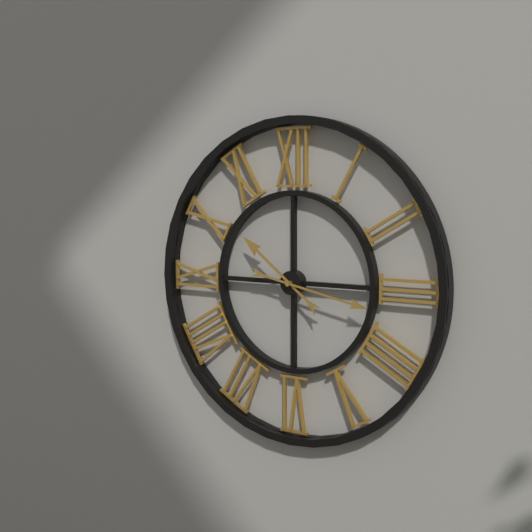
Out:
10 h 17 min
